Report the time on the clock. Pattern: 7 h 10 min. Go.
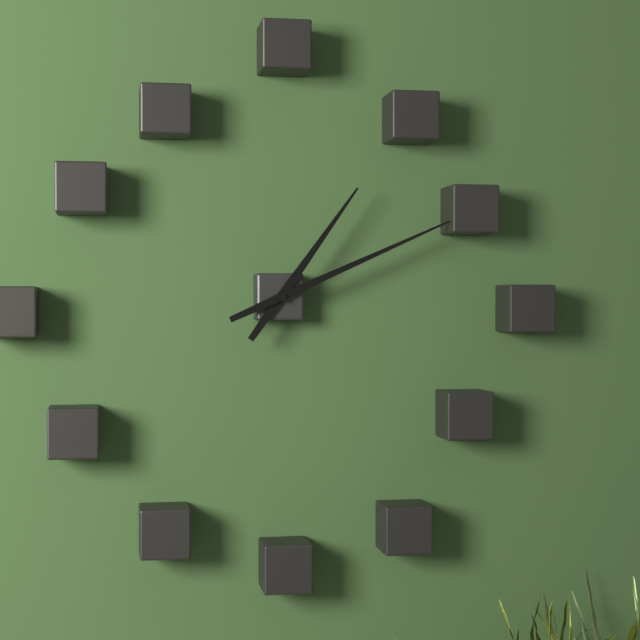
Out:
1 h 11 min
